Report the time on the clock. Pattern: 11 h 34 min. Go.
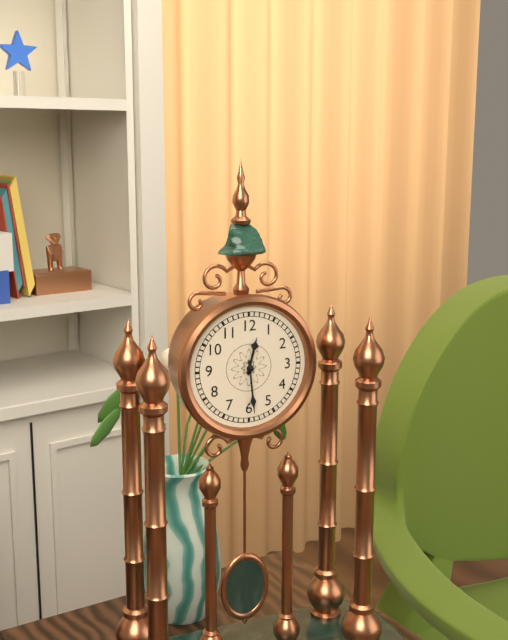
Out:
12 h 29 min
